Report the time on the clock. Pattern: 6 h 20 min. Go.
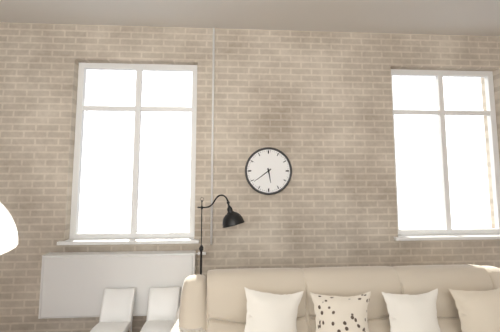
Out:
5 h 39 min
